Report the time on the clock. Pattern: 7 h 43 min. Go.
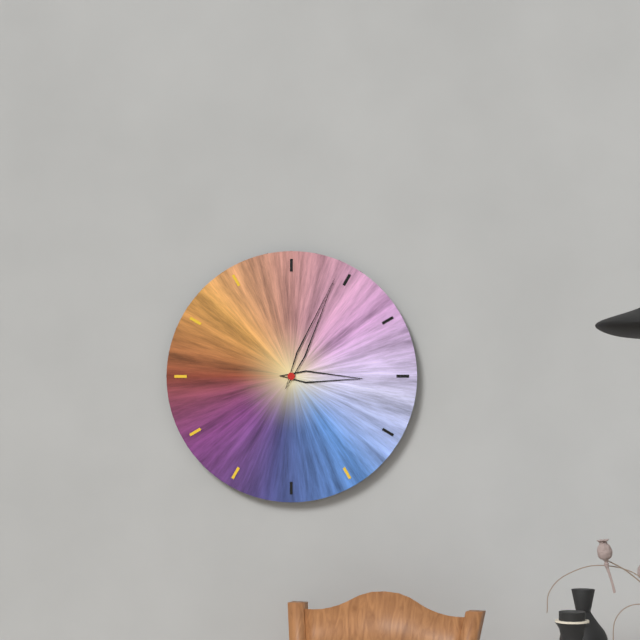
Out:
3 h 04 min
